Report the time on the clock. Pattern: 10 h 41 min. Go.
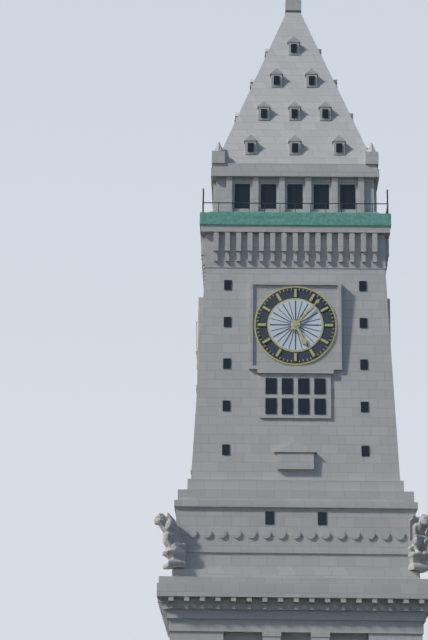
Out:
5 h 07 min
